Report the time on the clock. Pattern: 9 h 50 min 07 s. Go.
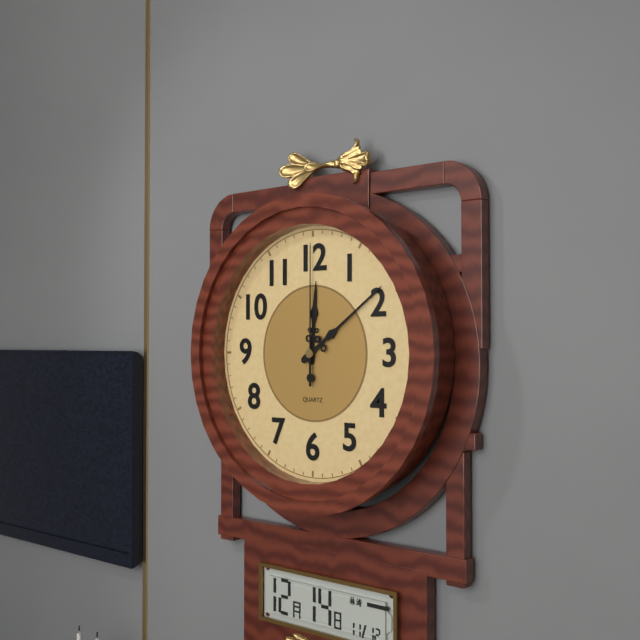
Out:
12 h 09 min 00 s
